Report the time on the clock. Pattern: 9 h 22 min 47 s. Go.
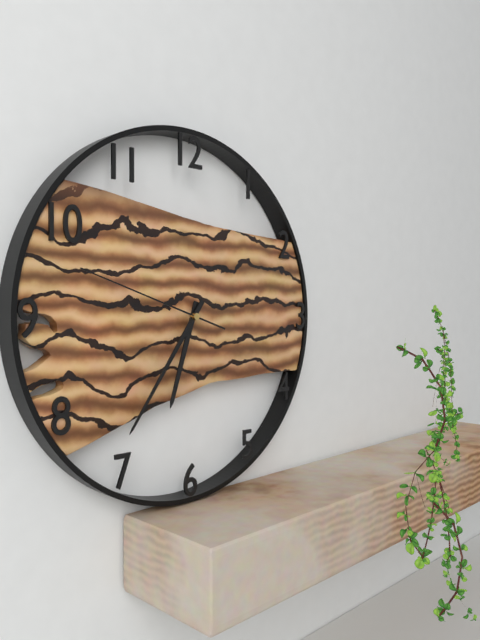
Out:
6 h 36 min 48 s
